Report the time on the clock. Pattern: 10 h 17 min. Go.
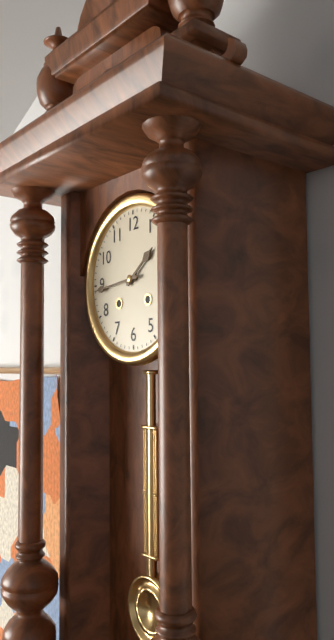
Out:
1 h 44 min
